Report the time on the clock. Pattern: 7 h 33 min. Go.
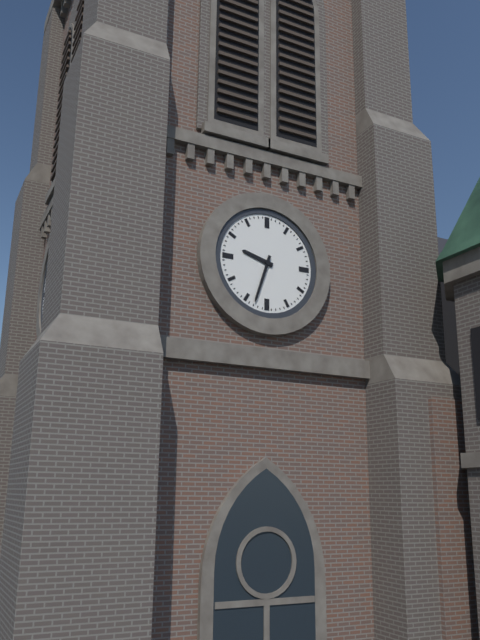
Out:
9 h 33 min
